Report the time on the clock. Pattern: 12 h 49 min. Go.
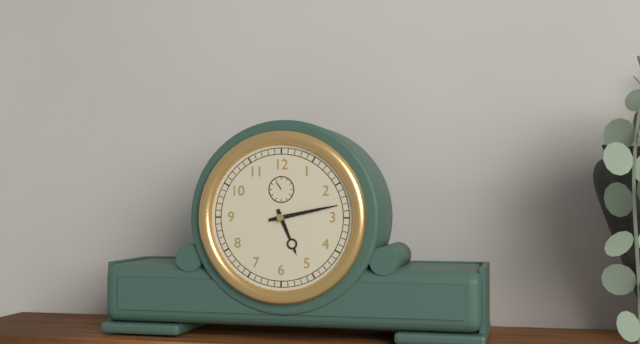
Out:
5 h 13 min
